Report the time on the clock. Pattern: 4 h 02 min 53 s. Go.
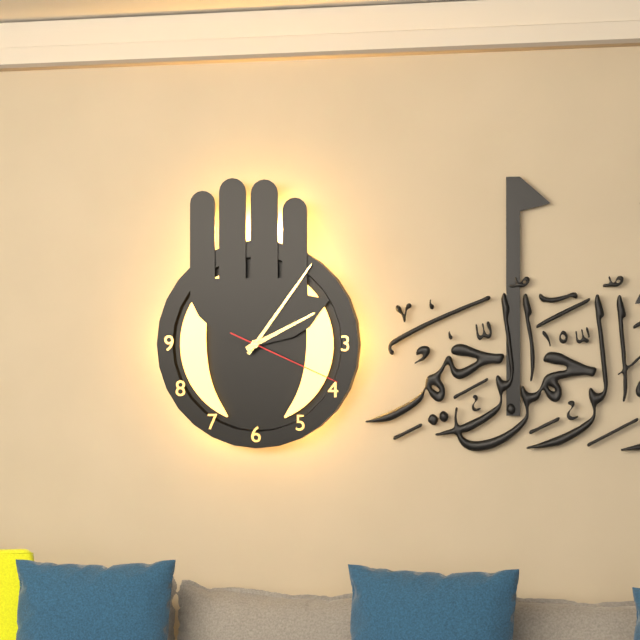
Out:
2 h 06 min 19 s
